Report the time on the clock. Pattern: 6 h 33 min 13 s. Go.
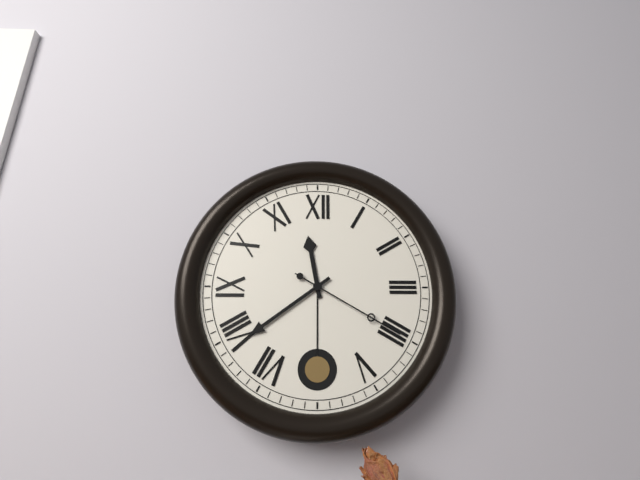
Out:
11 h 39 min 20 s
